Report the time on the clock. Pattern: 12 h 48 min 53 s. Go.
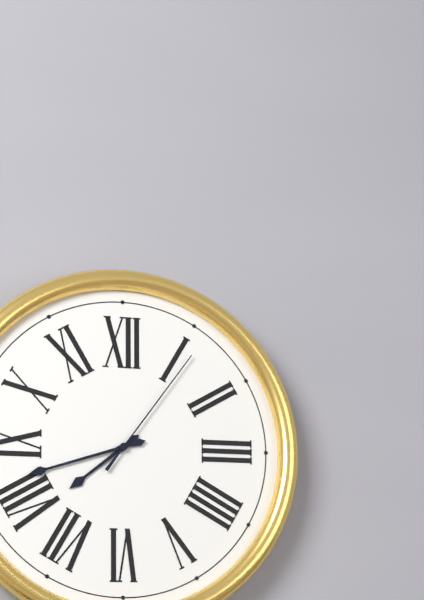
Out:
7 h 42 min 06 s
